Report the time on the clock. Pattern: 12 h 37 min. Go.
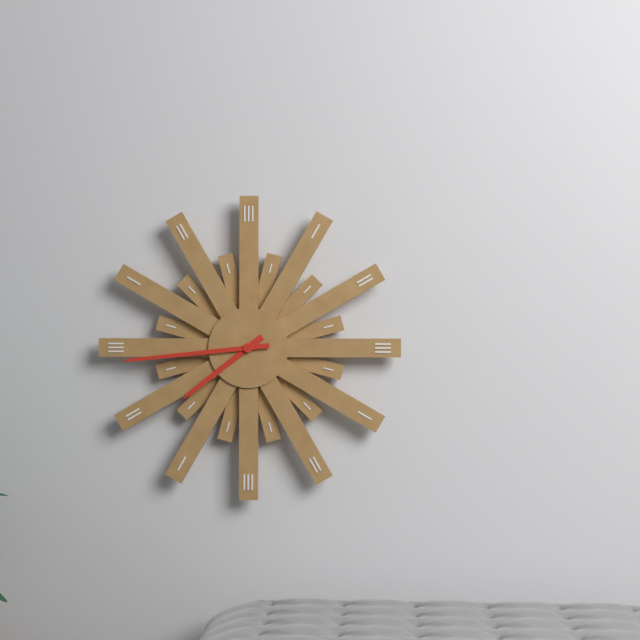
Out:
7 h 44 min
